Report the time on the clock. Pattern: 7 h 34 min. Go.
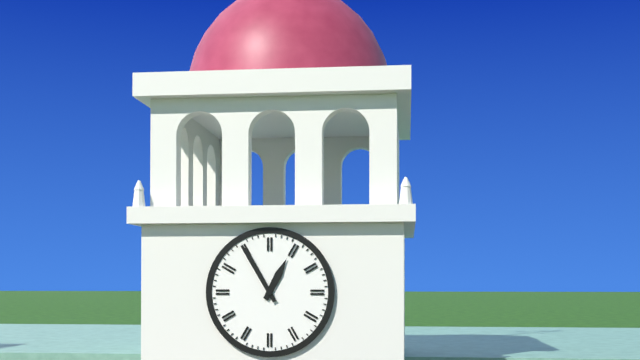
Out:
12 h 55 min
